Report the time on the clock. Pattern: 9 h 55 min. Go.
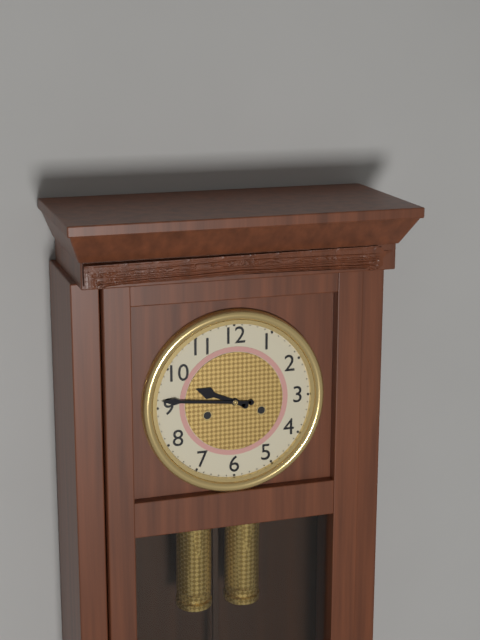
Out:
9 h 46 min
